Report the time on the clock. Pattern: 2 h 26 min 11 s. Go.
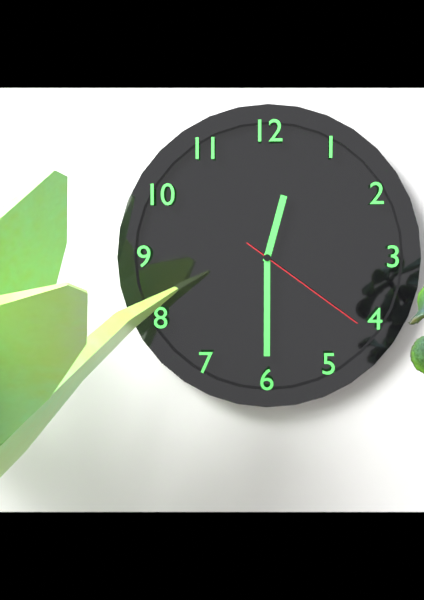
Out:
12 h 30 min 21 s
